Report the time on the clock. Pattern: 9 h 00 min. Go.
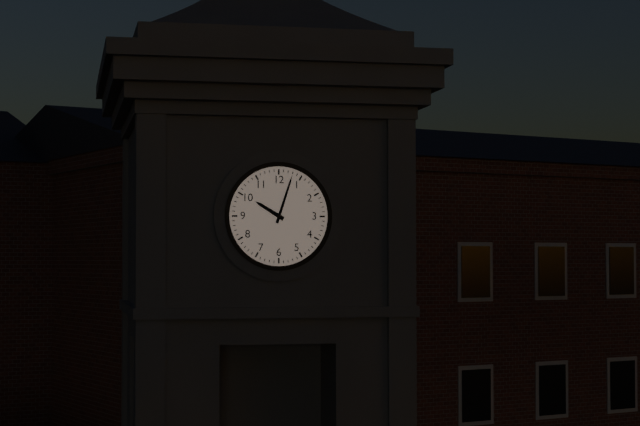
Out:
10 h 03 min
